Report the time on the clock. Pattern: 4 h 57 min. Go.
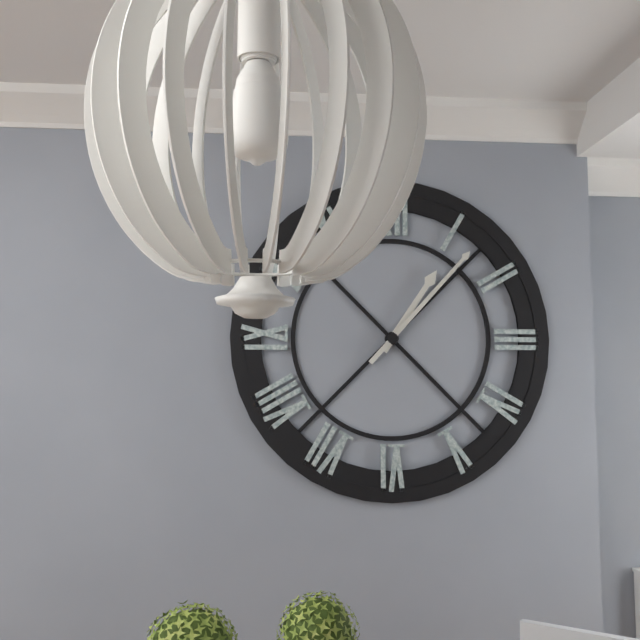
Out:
1 h 07 min
